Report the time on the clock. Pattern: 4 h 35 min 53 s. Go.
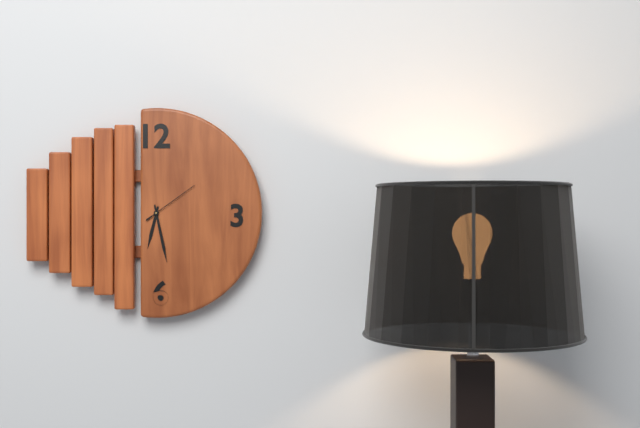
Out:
6 h 28 min 09 s
